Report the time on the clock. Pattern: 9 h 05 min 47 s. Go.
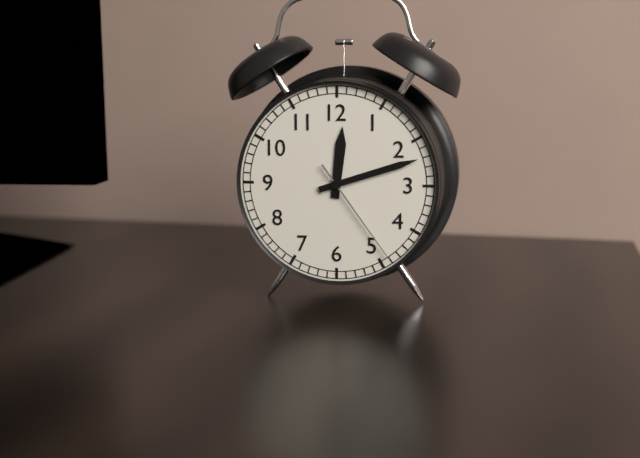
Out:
12 h 12 min 24 s
